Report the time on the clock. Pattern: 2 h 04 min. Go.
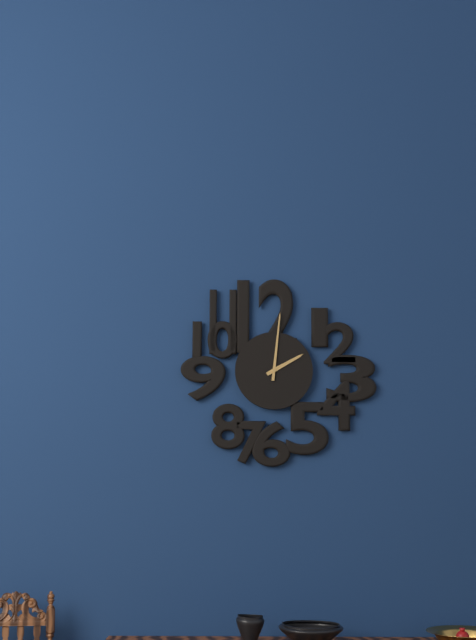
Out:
2 h 01 min
